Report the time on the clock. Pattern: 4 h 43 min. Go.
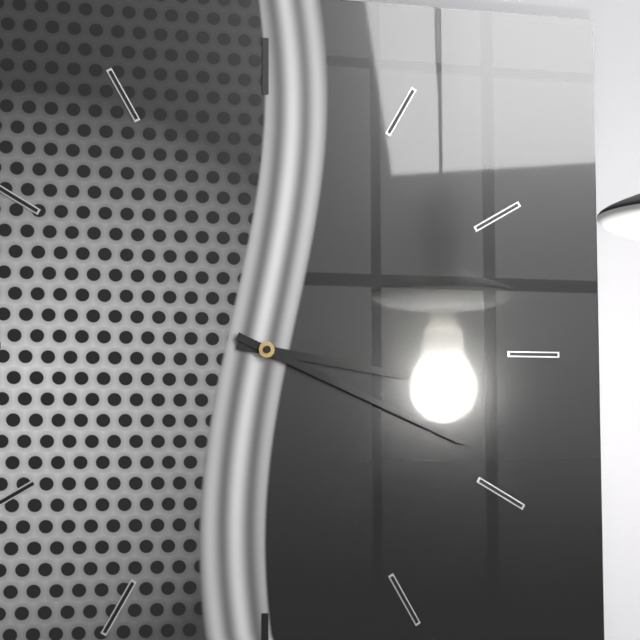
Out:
3 h 19 min
